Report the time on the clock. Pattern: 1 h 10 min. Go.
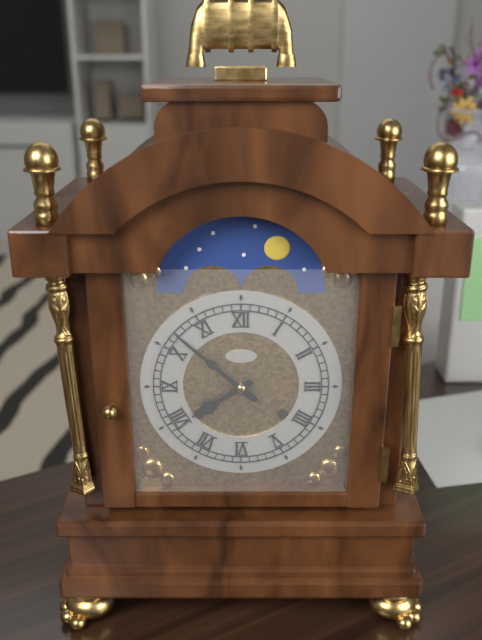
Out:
7 h 52 min
